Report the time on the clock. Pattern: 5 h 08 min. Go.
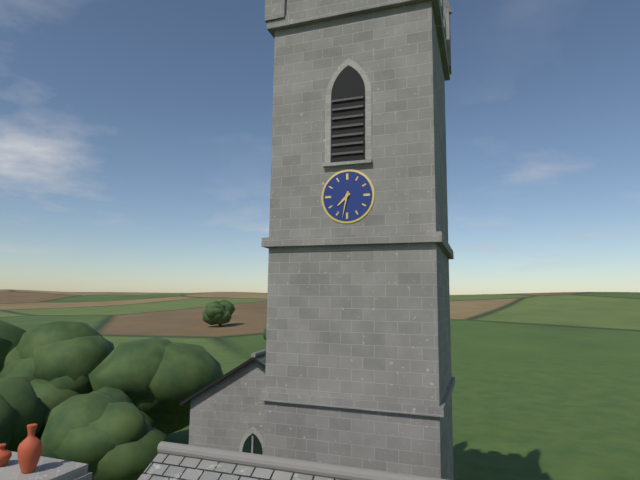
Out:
7 h 32 min
